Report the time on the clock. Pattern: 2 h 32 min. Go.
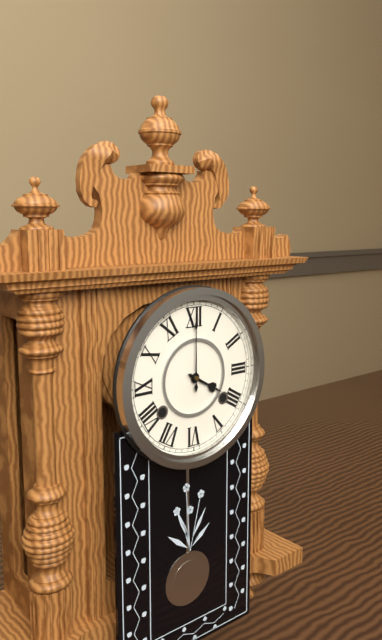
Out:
4 h 00 min
